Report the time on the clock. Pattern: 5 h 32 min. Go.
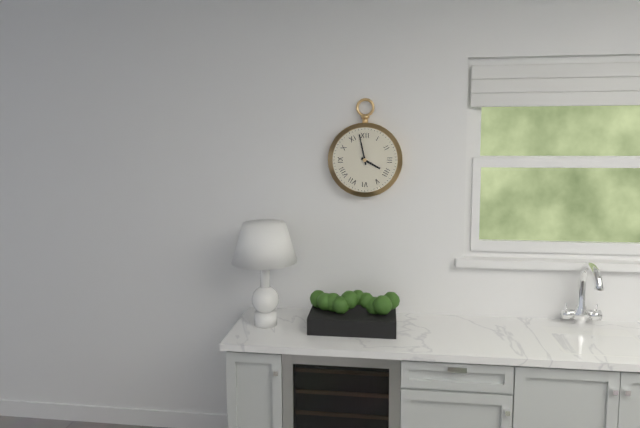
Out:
3 h 58 min
